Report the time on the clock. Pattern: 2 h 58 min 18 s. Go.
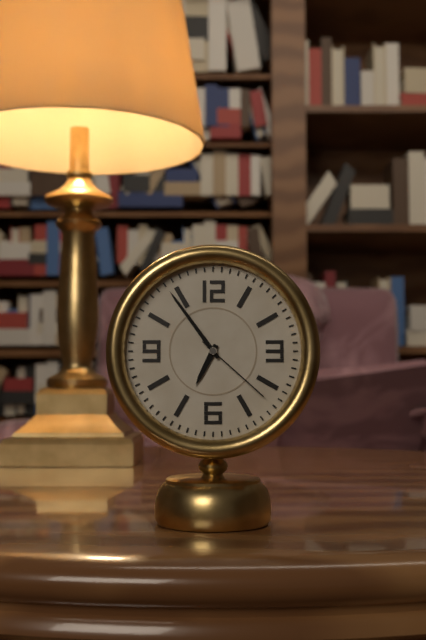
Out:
6 h 54 min 22 s
